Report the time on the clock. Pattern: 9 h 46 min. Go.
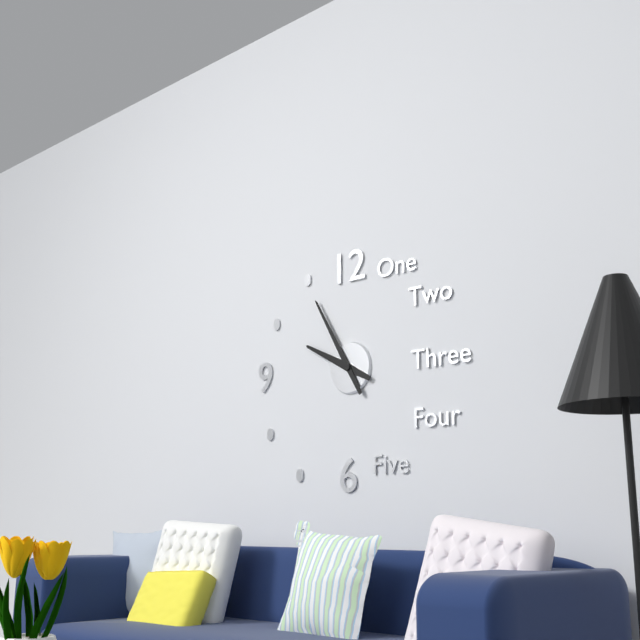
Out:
9 h 55 min
